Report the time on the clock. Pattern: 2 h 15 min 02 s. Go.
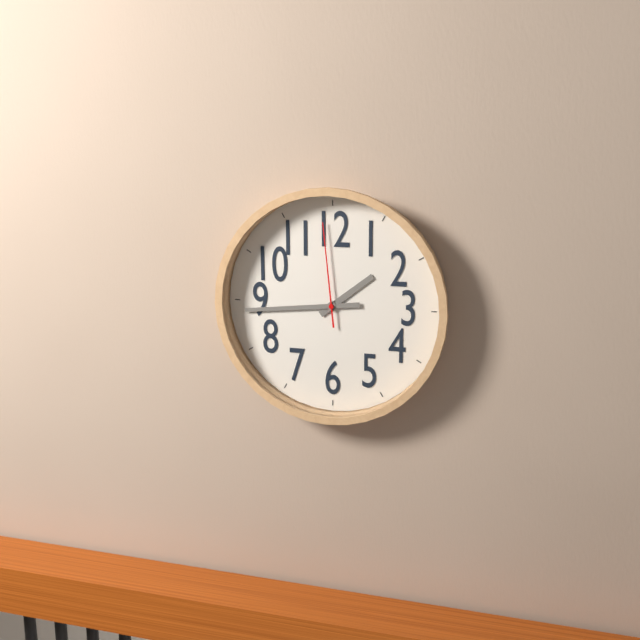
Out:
1 h 44 min 59 s
